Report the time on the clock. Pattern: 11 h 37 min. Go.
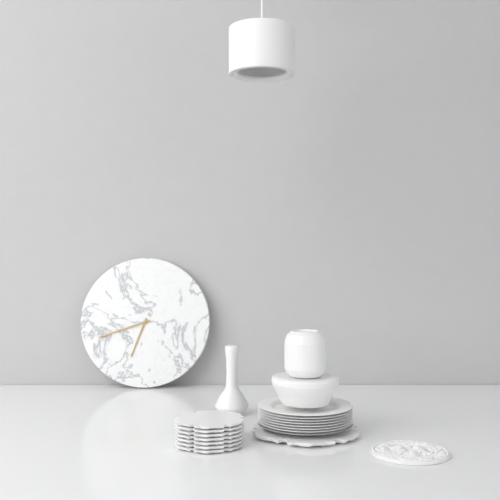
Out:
6 h 42 min
